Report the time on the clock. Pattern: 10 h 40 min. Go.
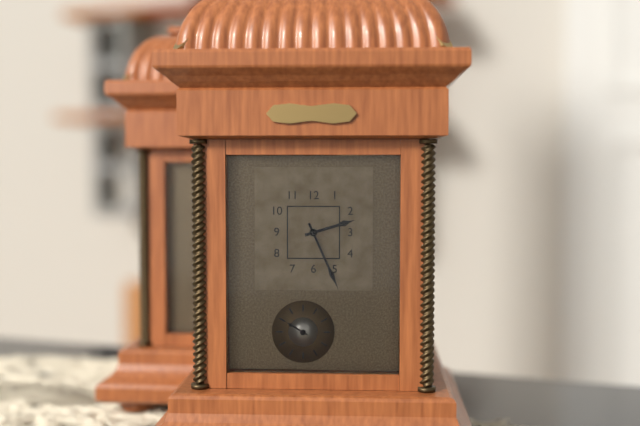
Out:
2 h 26 min
